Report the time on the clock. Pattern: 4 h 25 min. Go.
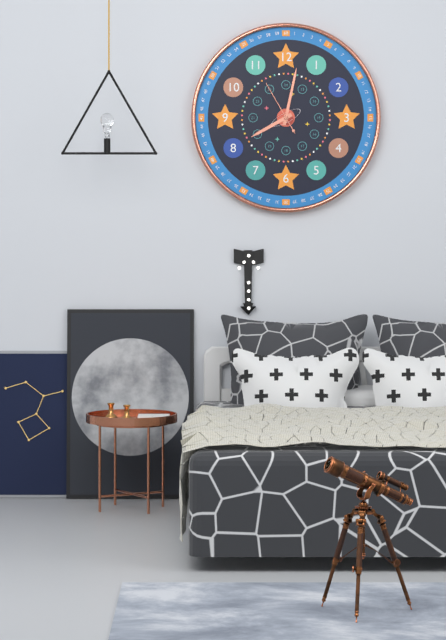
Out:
8 h 02 min
